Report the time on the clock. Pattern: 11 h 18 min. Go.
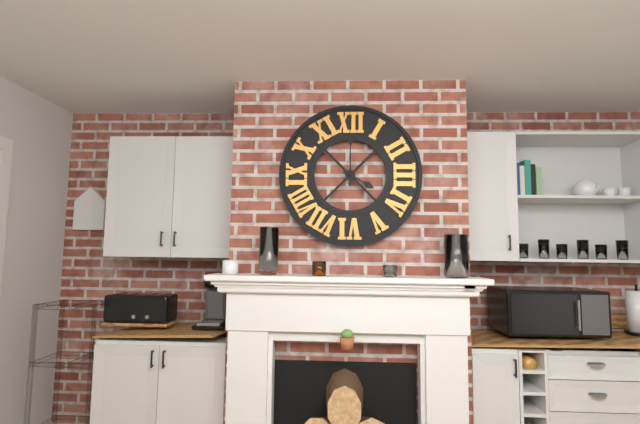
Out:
4 h 00 min
